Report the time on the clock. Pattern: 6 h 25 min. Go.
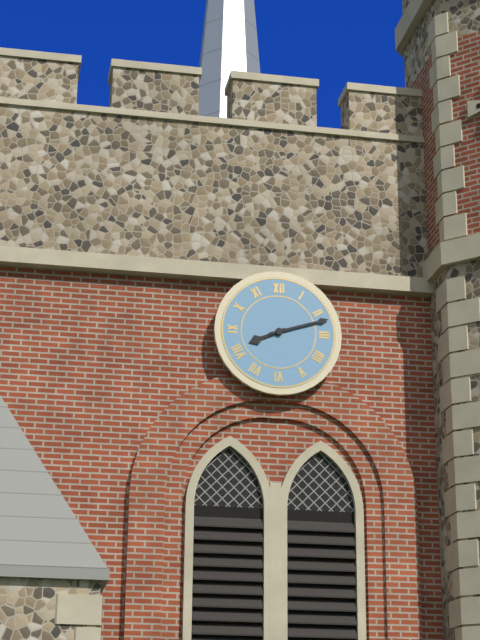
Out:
8 h 12 min
